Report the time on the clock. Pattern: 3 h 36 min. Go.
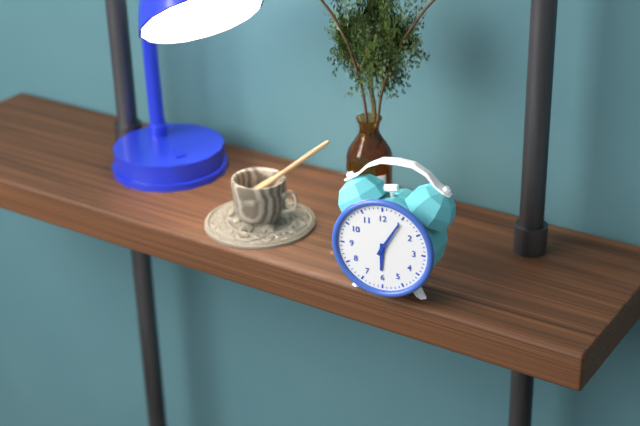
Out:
6 h 05 min
